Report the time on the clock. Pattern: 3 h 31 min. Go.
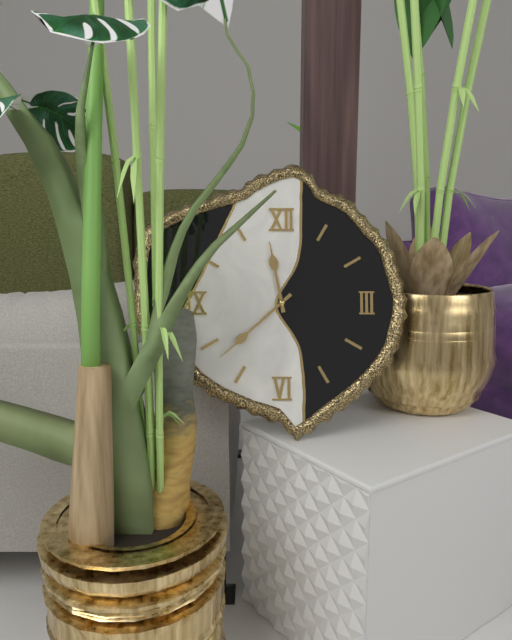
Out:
11 h 38 min
